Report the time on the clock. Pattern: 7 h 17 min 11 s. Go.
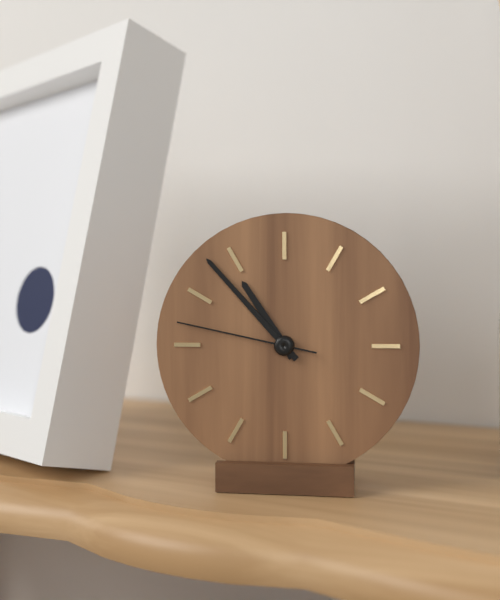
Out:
10 h 53 min 47 s
